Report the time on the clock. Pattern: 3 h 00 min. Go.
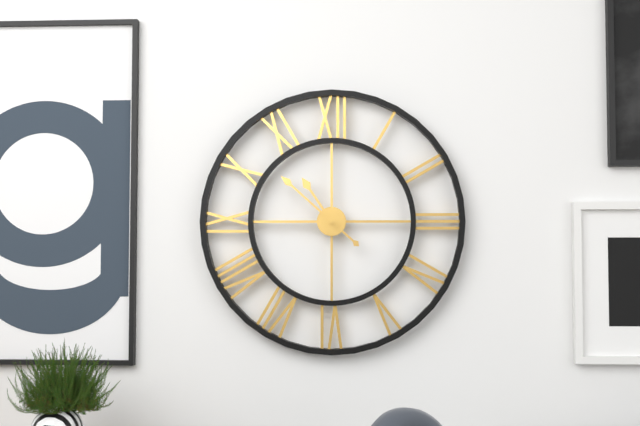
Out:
10 h 52 min
